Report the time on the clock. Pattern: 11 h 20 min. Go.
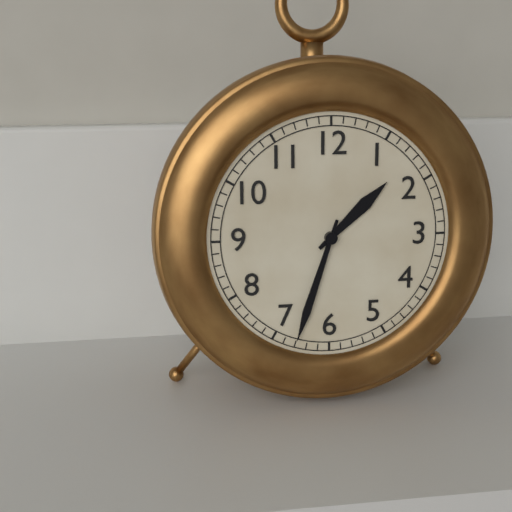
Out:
1 h 33 min
